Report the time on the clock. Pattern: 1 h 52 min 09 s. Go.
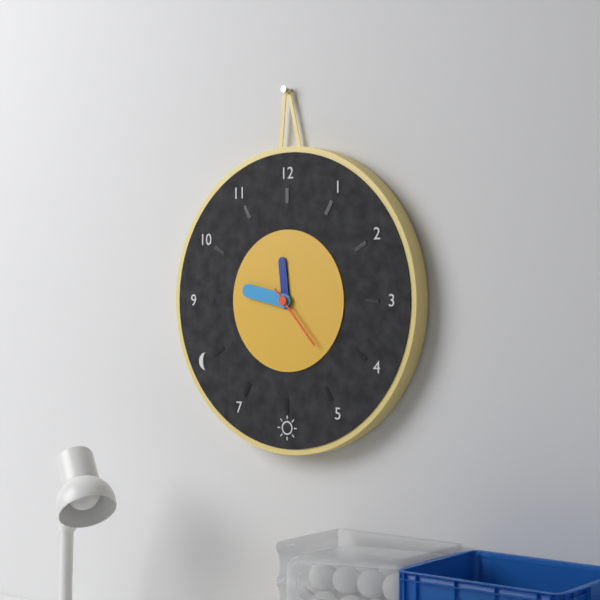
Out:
11 h 47 min 23 s
